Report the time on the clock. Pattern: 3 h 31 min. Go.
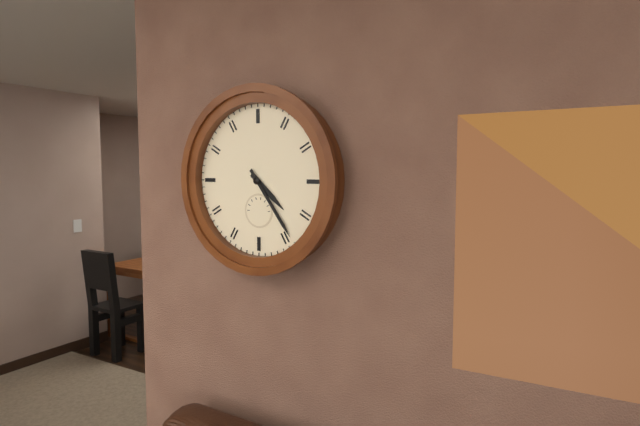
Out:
4 h 24 min
